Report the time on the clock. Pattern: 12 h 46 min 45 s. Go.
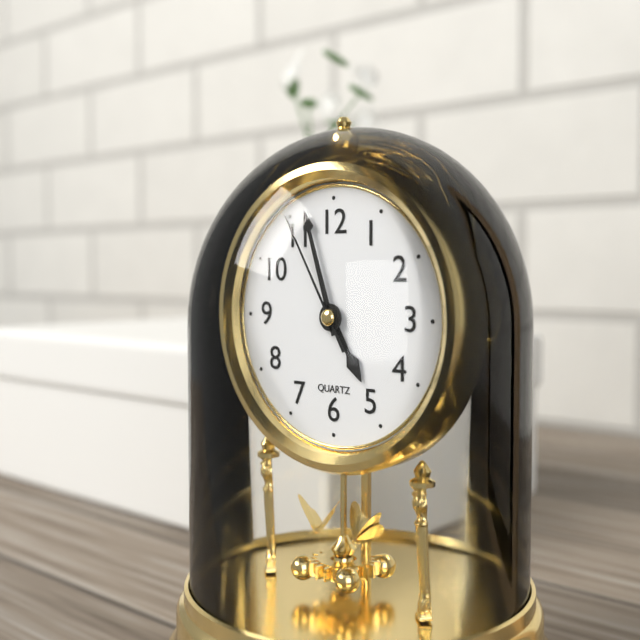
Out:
4 h 57 min 55 s
